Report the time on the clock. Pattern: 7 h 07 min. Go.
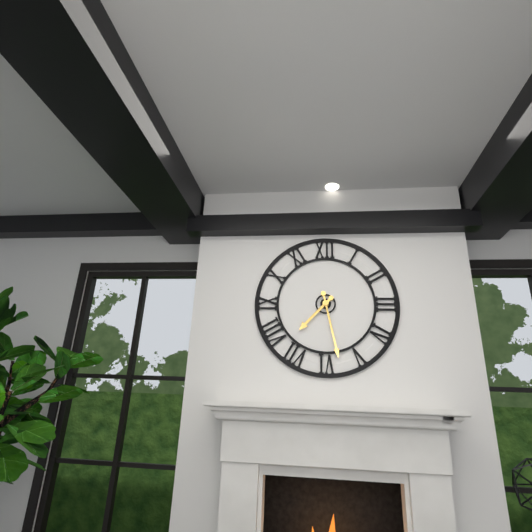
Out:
7 h 28 min
